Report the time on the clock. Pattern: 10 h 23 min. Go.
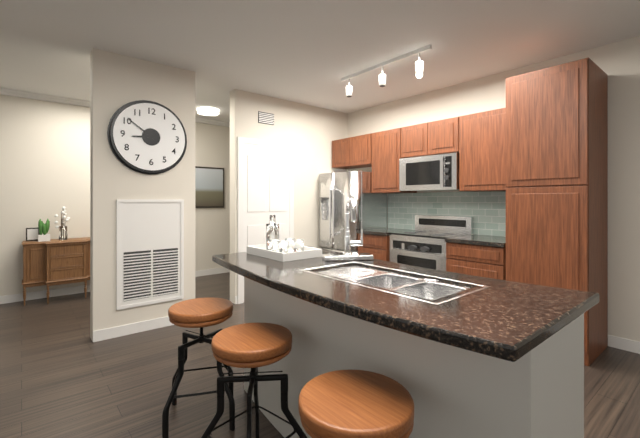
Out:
8 h 51 min
